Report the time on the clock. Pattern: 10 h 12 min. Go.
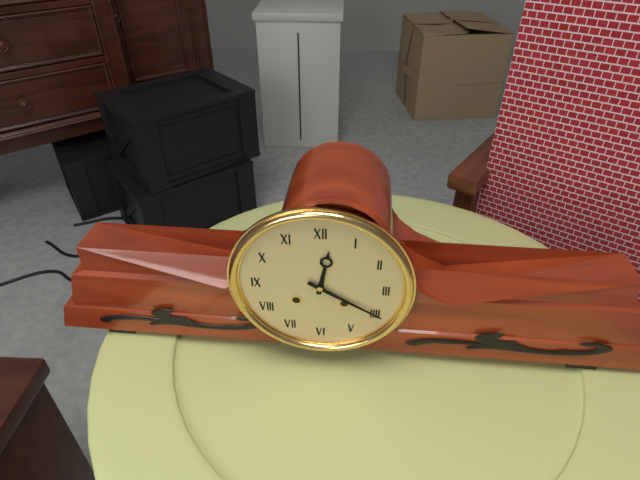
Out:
12 h 20 min
